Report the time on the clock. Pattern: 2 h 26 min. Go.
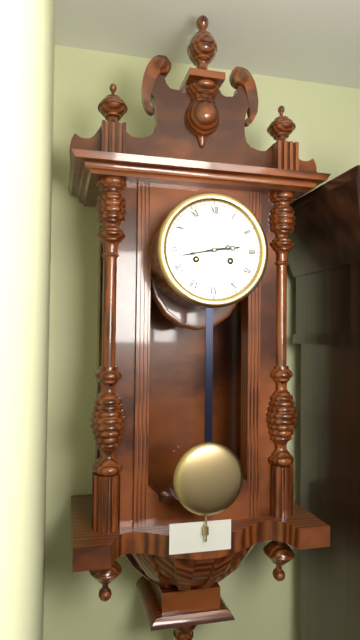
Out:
2 h 43 min
